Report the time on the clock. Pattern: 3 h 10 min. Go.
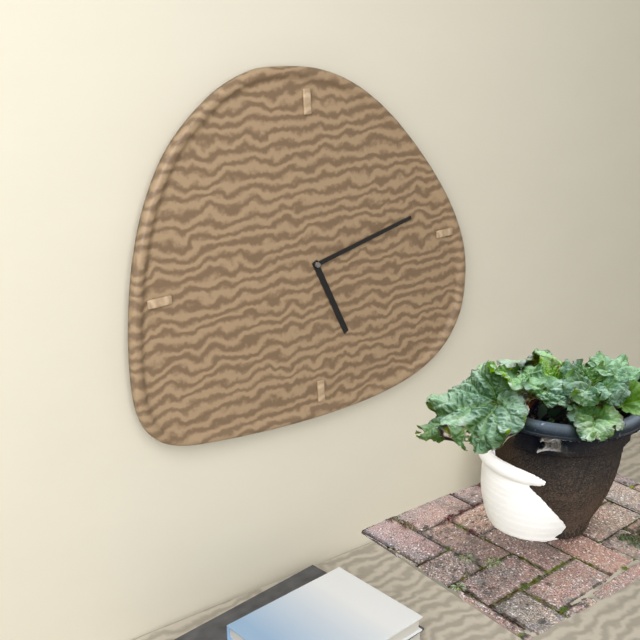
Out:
5 h 13 min
